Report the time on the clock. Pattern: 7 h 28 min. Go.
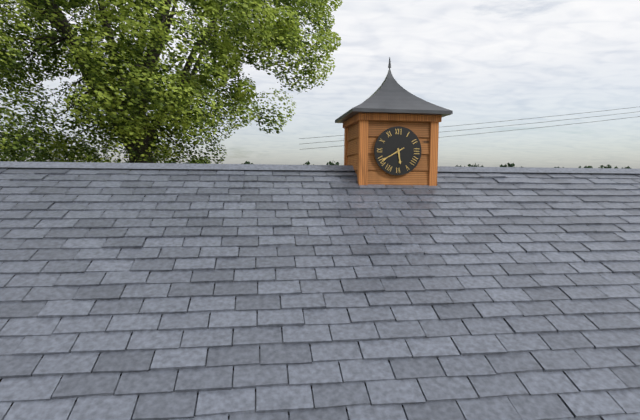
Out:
5 h 40 min
